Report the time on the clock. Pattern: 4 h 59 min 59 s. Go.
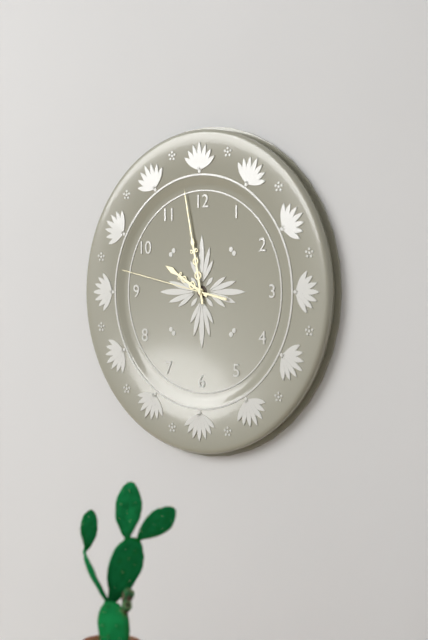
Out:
9 h 58 min 47 s
